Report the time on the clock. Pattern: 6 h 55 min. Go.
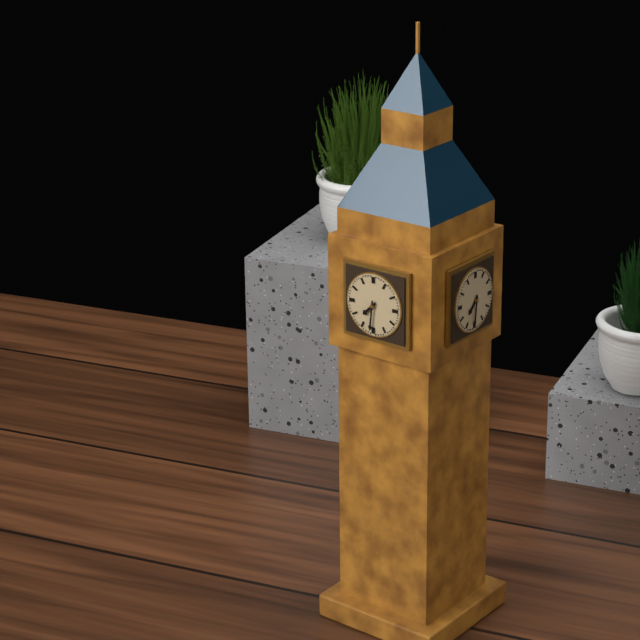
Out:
7 h 31 min
